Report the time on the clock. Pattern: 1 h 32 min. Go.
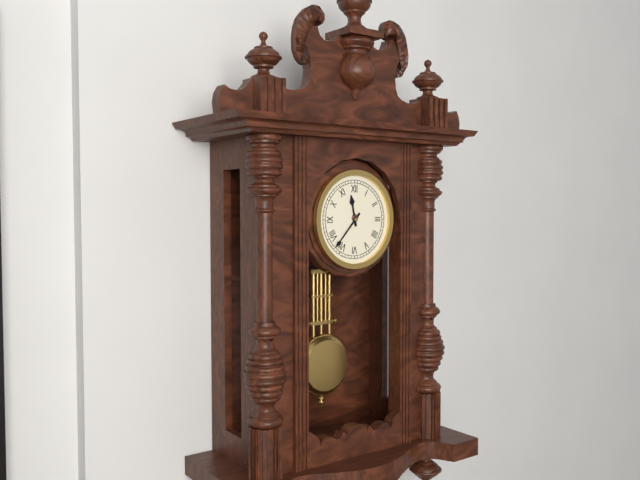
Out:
11 h 37 min
